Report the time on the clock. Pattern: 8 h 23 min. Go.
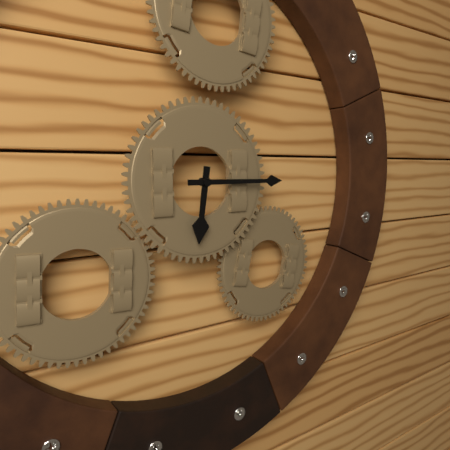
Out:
6 h 15 min
